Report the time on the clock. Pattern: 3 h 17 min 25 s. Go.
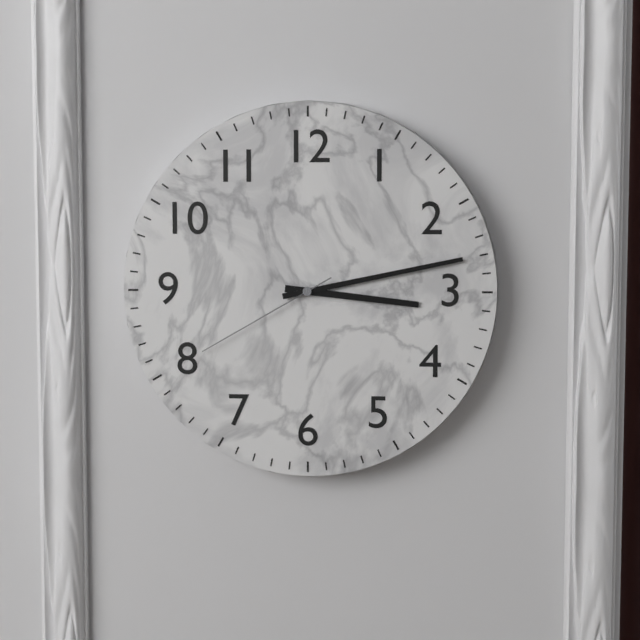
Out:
3 h 13 min 40 s
